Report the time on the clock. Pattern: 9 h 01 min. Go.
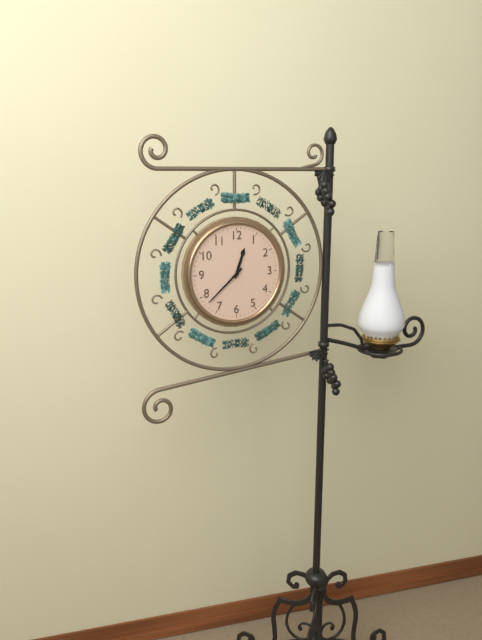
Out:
12 h 38 min
